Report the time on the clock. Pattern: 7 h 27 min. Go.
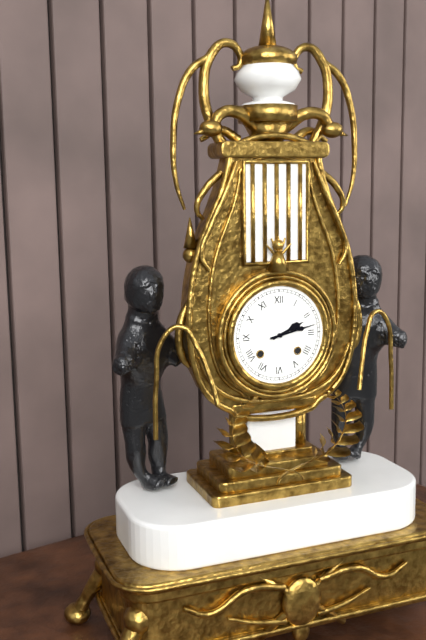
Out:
2 h 13 min
